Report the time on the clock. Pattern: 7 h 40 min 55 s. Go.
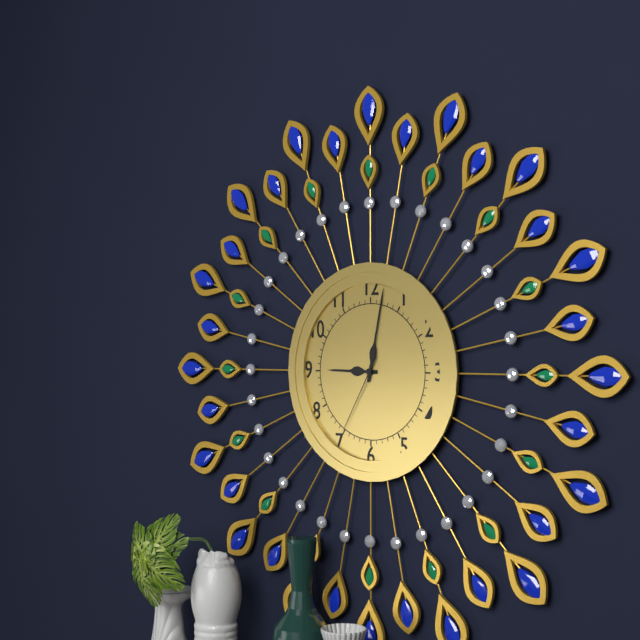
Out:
9 h 02 min 35 s
